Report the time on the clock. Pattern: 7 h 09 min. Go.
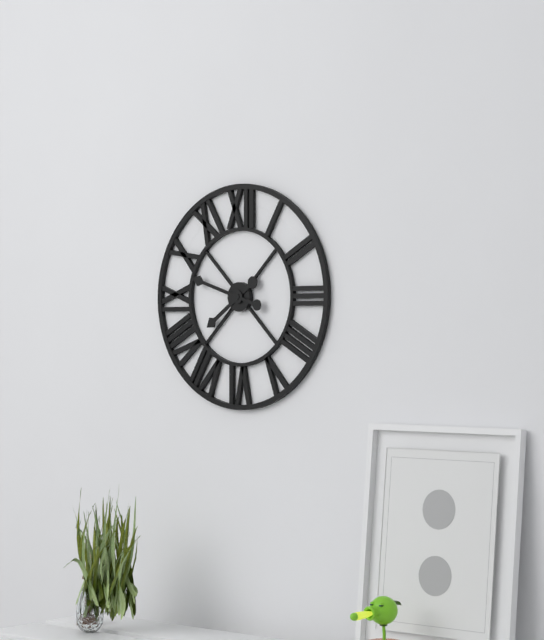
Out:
7 h 48 min
